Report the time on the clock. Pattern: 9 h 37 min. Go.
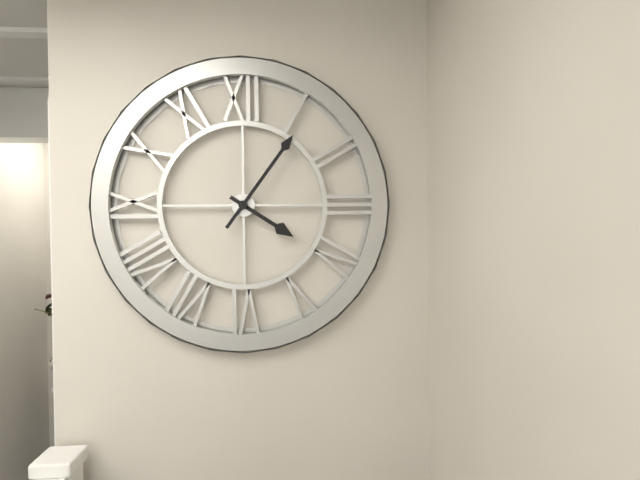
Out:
4 h 06 min
